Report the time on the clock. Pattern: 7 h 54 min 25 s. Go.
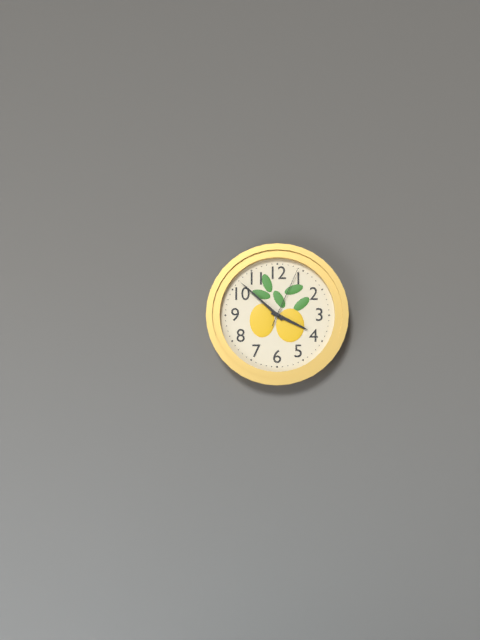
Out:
3 h 52 min 04 s
